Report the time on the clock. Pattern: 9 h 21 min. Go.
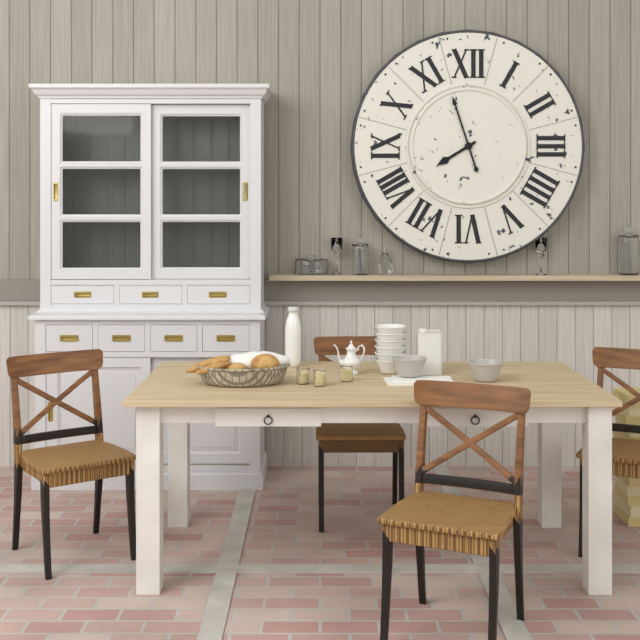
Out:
7 h 57 min
